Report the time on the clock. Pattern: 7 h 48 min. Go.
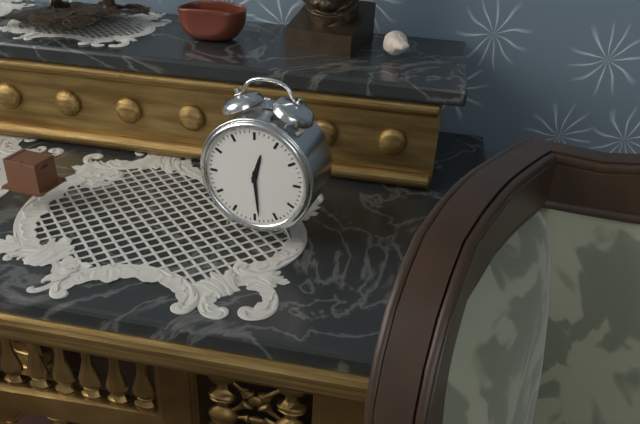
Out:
12 h 29 min
